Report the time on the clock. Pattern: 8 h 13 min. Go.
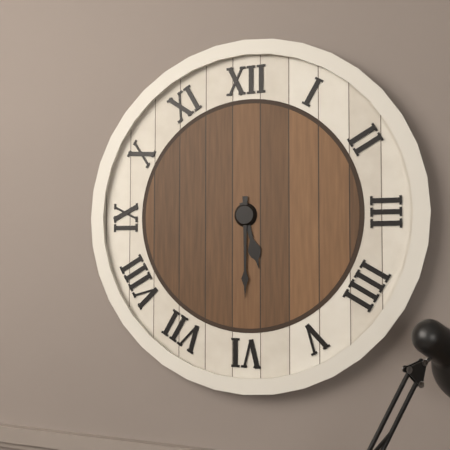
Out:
5 h 30 min
